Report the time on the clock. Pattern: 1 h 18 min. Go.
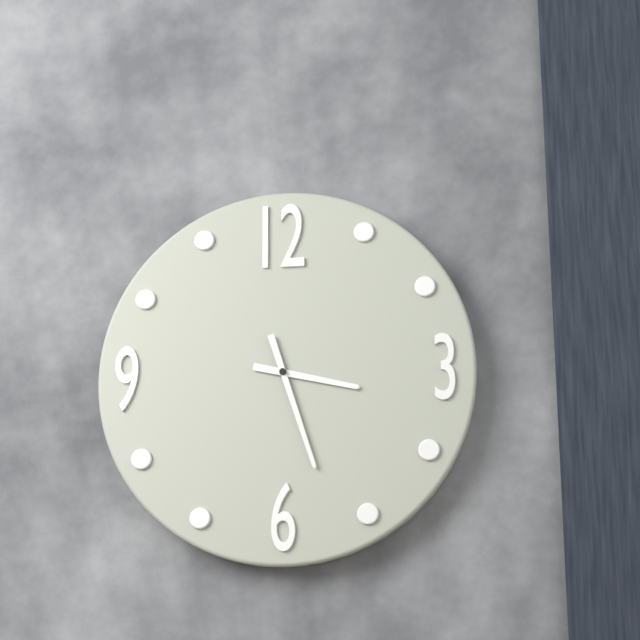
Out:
3 h 27 min
